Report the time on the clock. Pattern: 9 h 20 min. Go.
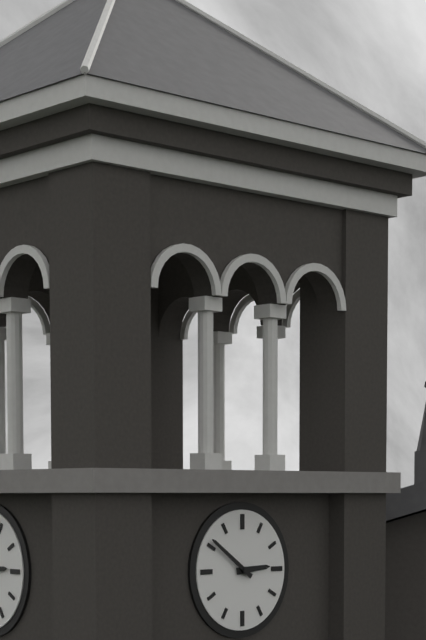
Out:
2 h 51 min
